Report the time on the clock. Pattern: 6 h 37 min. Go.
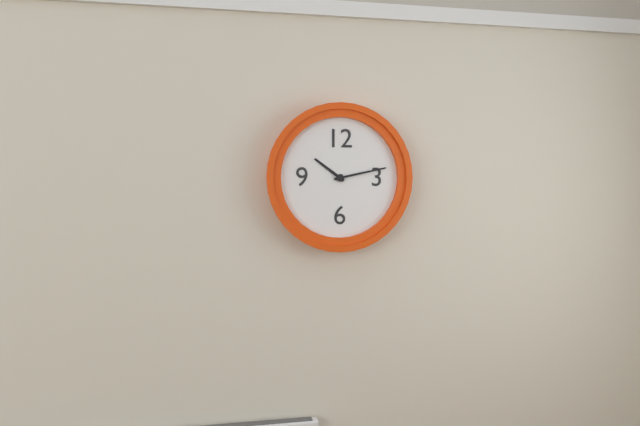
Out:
10 h 13 min
